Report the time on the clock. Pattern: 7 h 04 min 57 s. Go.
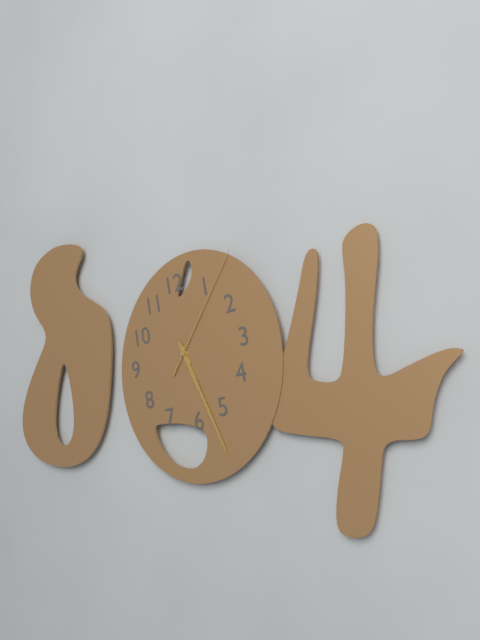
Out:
5 h 27 min 07 s
